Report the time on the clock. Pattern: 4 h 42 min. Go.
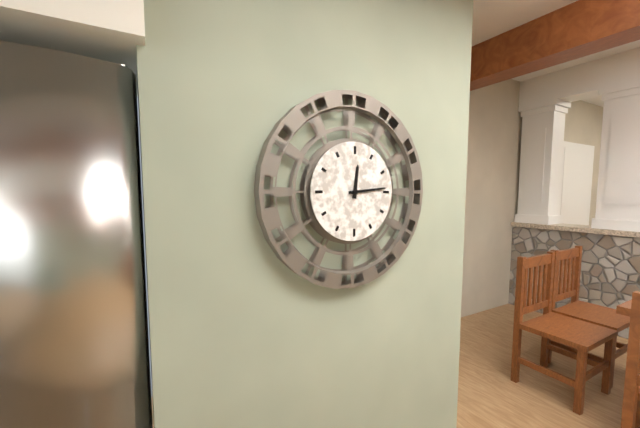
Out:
12 h 14 min
